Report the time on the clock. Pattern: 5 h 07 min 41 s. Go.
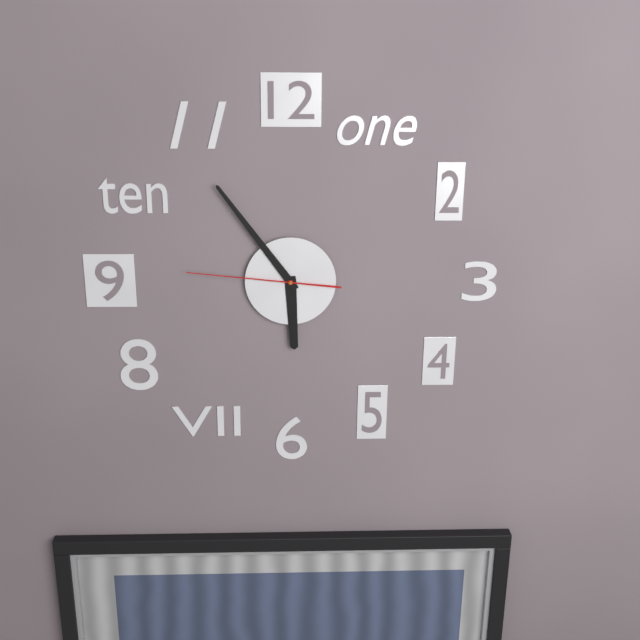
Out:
5 h 54 min 46 s
